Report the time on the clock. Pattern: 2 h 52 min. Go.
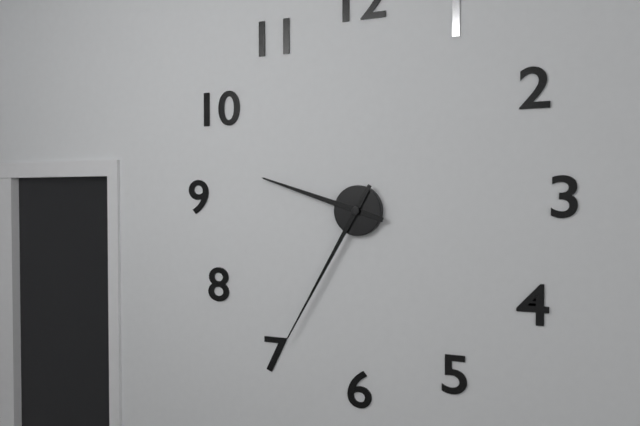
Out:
9 h 35 min
